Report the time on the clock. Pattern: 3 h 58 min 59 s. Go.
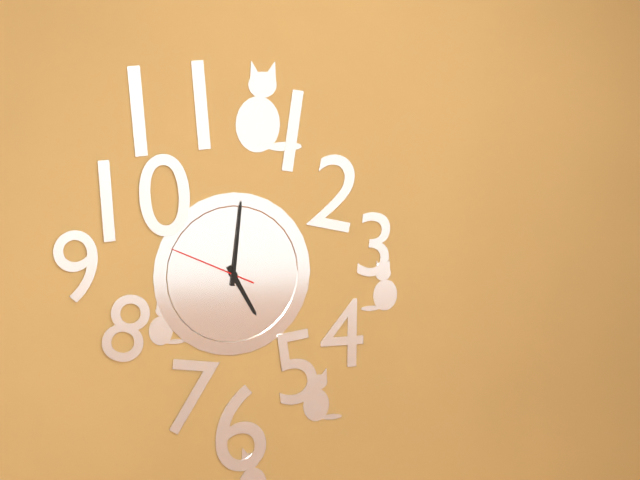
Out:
5 h 01 min 49 s
